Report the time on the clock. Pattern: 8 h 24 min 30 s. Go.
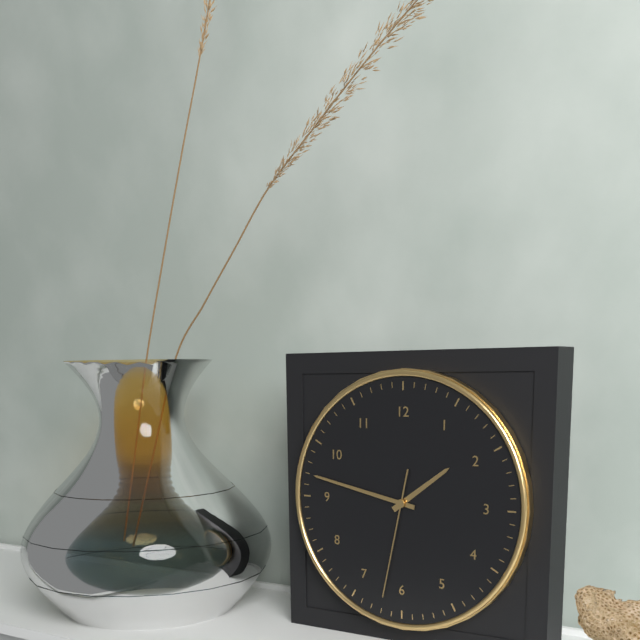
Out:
1 h 47 min 32 s
